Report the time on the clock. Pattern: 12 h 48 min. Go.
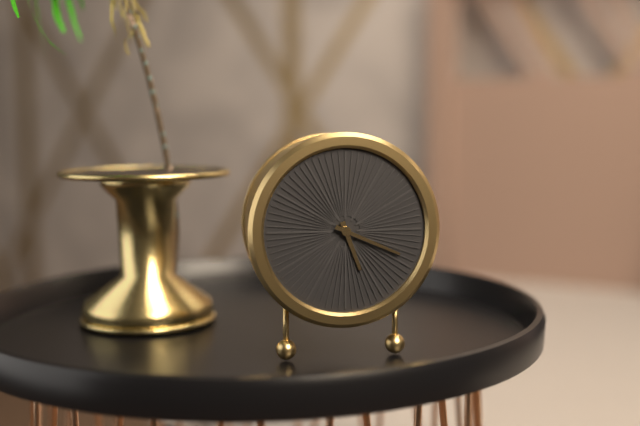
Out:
5 h 19 min
